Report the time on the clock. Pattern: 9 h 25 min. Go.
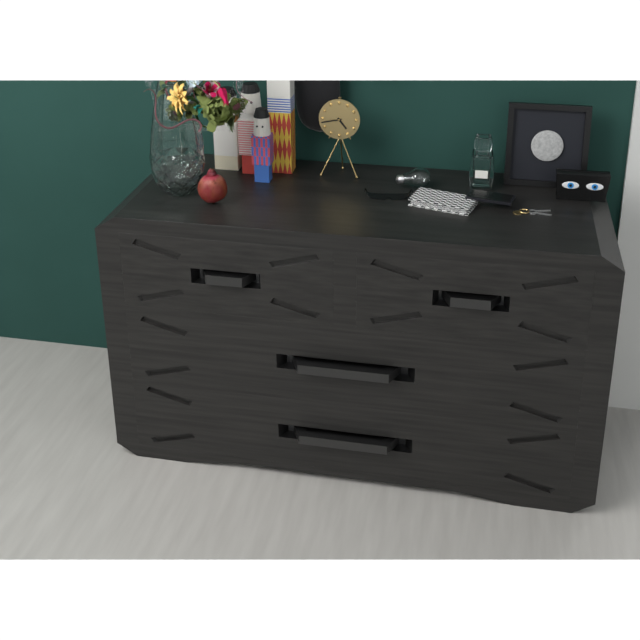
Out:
4 h 43 min
